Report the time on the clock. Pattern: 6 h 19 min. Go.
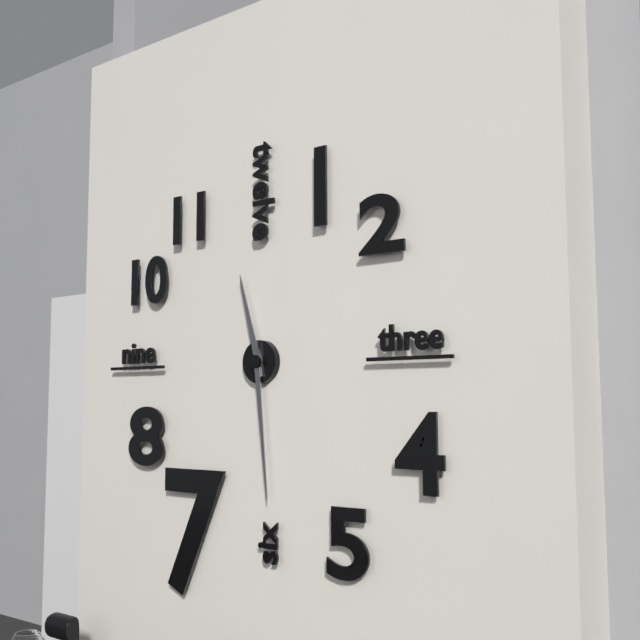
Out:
11 h 29 min
